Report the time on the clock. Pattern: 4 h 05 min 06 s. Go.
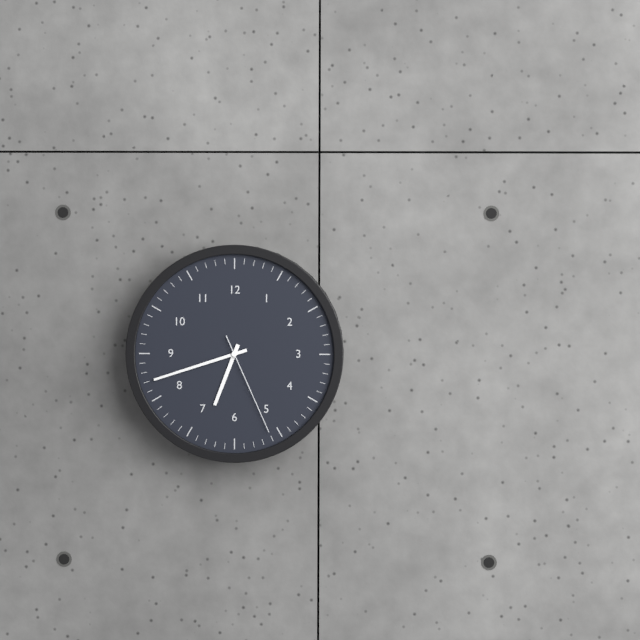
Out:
6 h 42 min 26 s
